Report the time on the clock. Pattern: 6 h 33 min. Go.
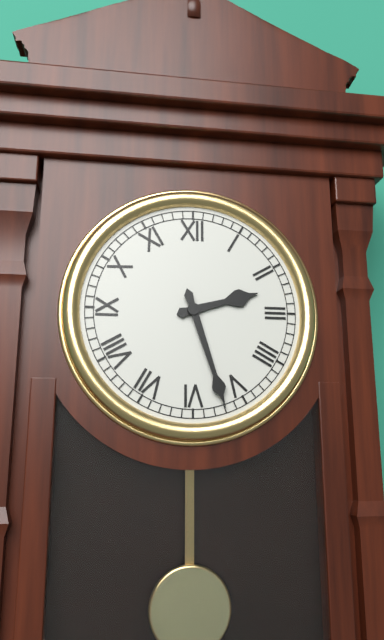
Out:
2 h 27 min
